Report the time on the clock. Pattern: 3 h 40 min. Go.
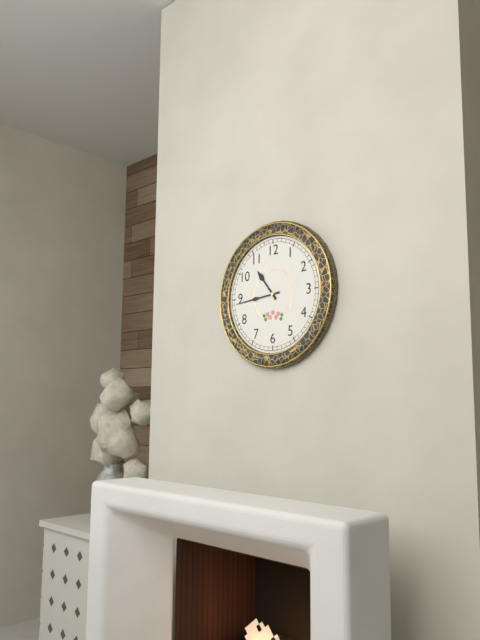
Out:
10 h 44 min
